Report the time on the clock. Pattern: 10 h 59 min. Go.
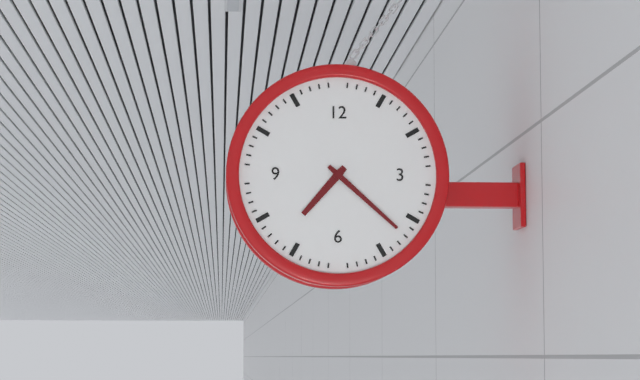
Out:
7 h 22 min
